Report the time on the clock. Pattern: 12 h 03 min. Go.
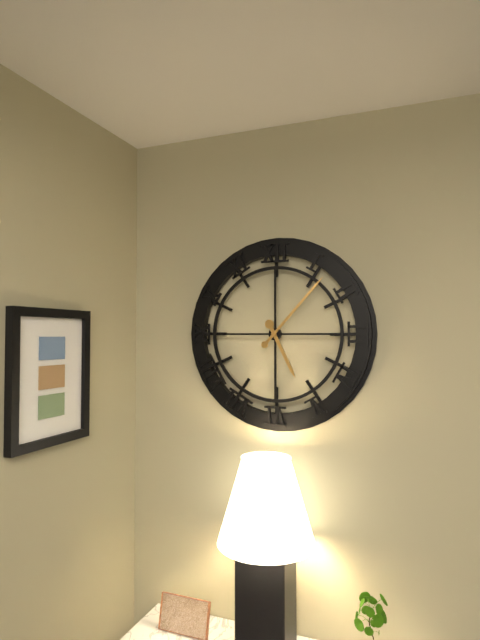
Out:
5 h 07 min
